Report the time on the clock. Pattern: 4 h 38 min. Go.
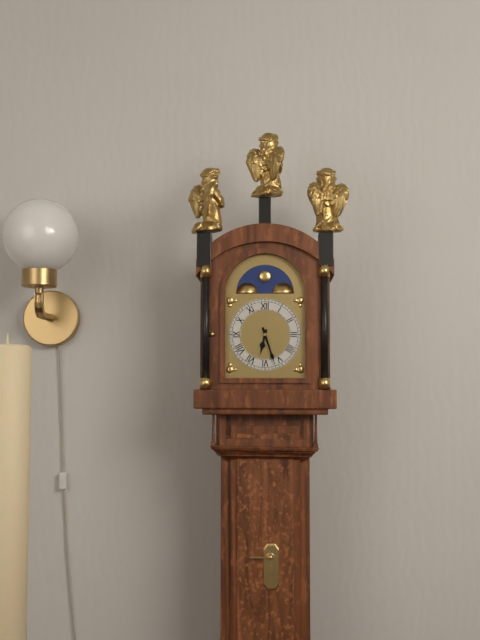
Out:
6 h 27 min
